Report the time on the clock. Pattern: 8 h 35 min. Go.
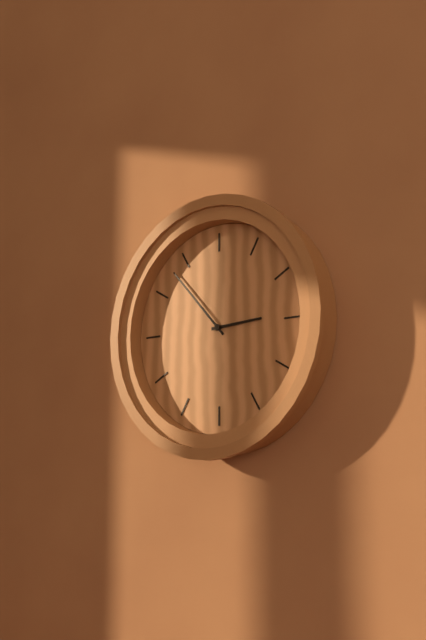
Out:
2 h 53 min
